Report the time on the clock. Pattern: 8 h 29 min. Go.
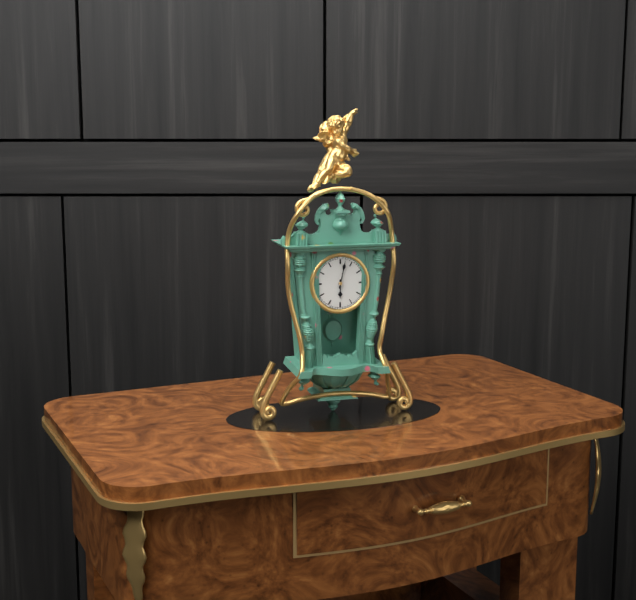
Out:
6 h 02 min
